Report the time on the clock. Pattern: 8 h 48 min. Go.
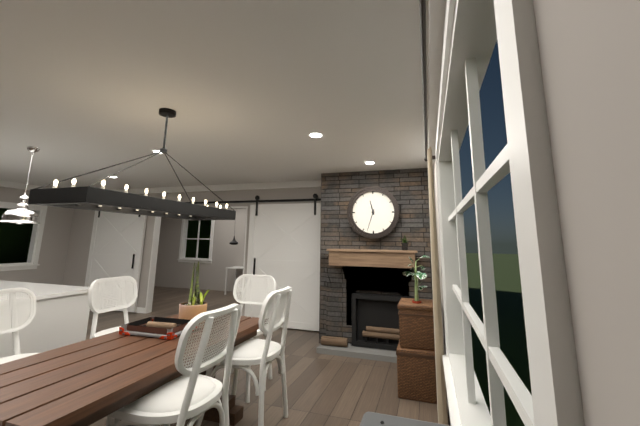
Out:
11 h 33 min
